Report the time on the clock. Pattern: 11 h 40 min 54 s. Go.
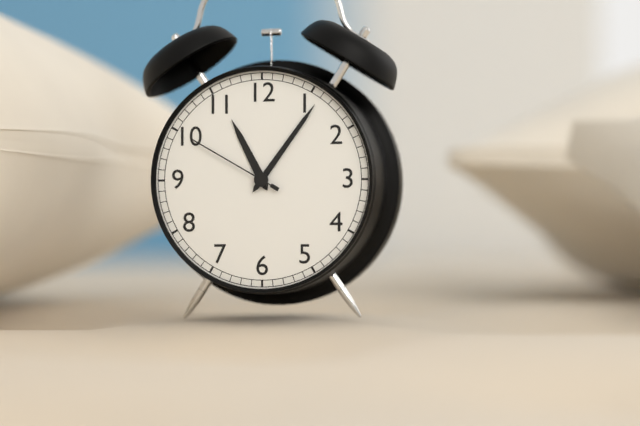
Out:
11 h 06 min 50 s
